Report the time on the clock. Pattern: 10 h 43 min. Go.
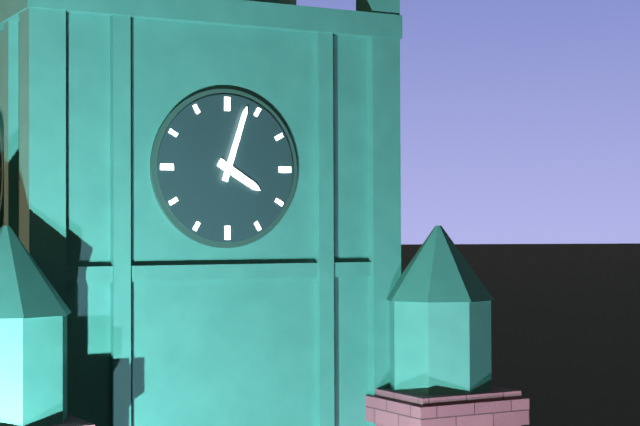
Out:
4 h 03 min
